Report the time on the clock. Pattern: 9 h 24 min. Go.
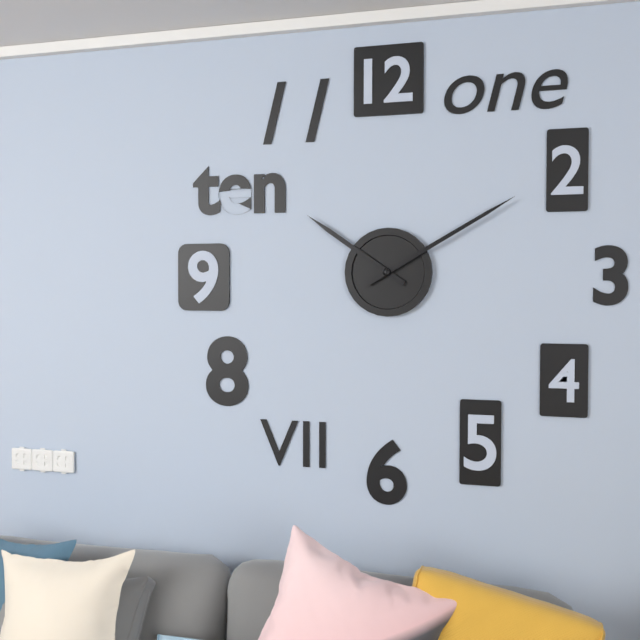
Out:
10 h 10 min
